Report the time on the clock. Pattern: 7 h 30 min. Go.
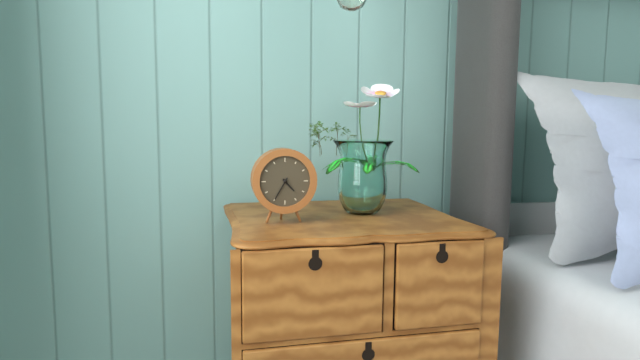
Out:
4 h 35 min
